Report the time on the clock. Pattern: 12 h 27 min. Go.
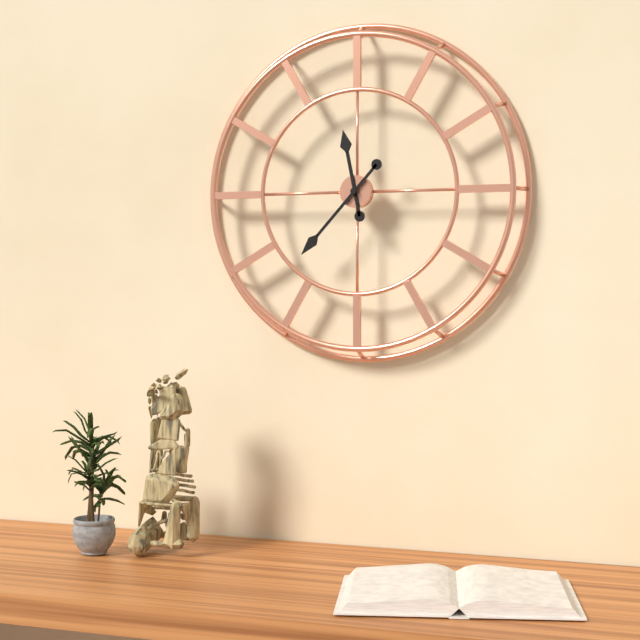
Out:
11 h 37 min
